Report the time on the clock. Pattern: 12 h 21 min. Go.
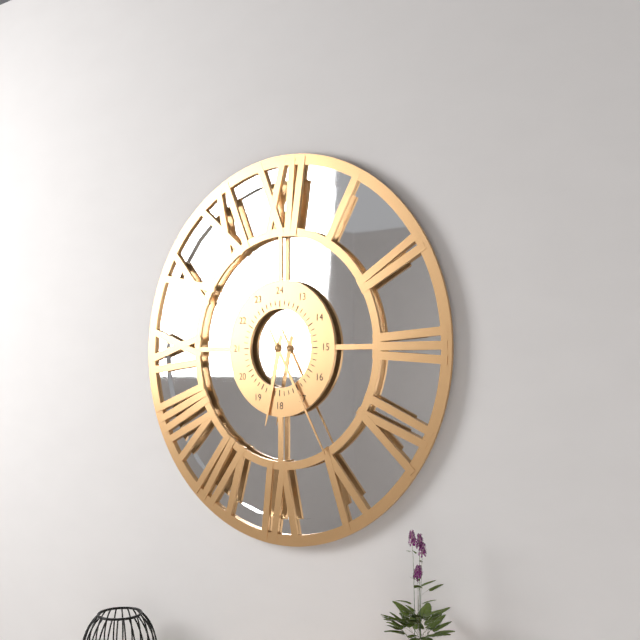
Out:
6 h 25 min
